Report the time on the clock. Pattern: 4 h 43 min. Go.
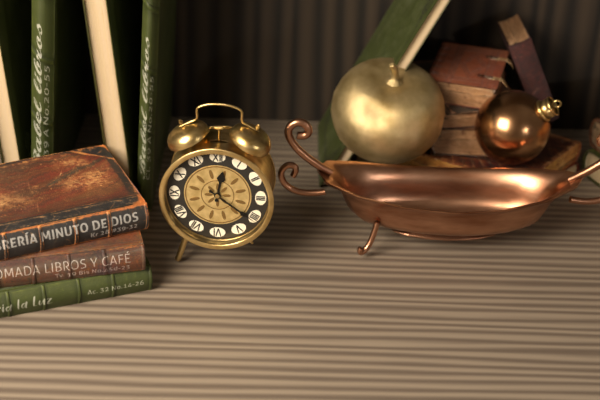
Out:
12 h 21 min
